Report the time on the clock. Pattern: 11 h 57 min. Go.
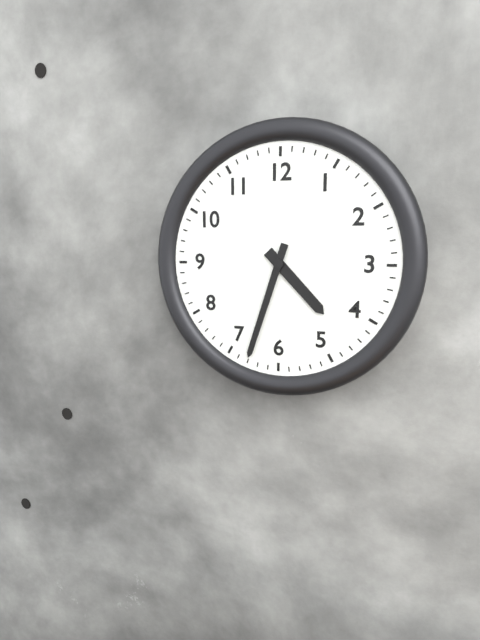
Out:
4 h 33 min
